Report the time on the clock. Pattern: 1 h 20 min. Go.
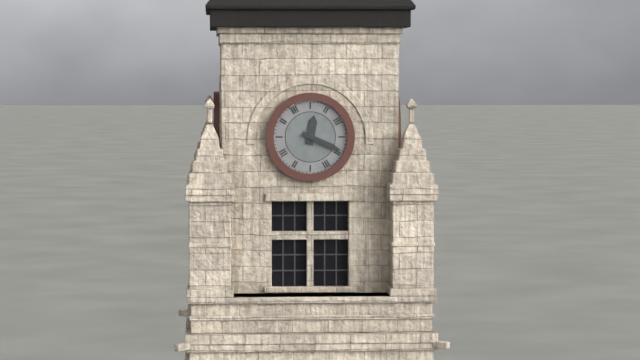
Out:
12 h 19 min
